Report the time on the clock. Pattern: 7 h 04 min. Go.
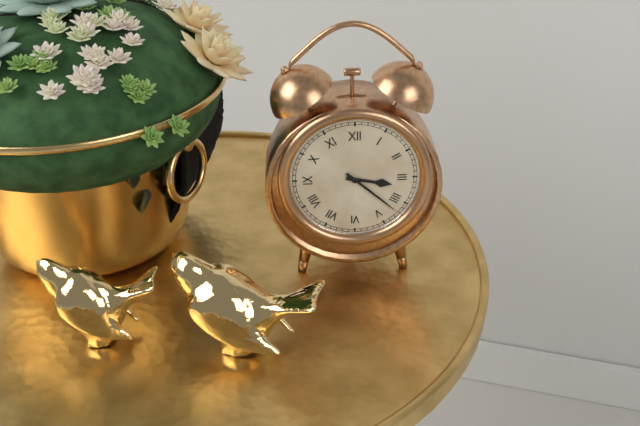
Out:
3 h 22 min
